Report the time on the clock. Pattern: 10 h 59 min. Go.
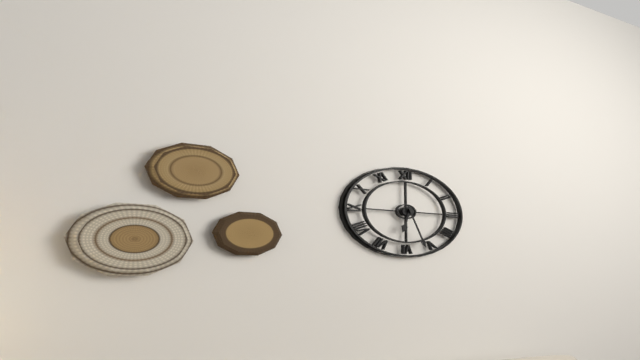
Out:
6 h 27 min
